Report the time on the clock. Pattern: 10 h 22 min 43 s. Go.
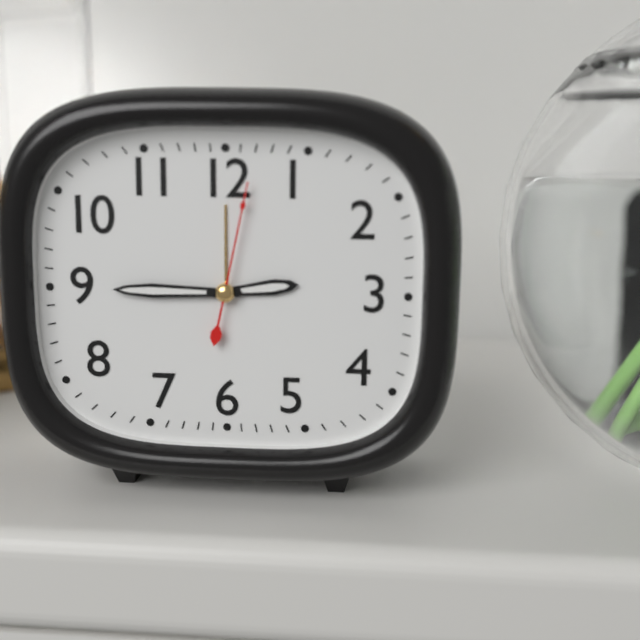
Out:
2 h 45 min 02 s
